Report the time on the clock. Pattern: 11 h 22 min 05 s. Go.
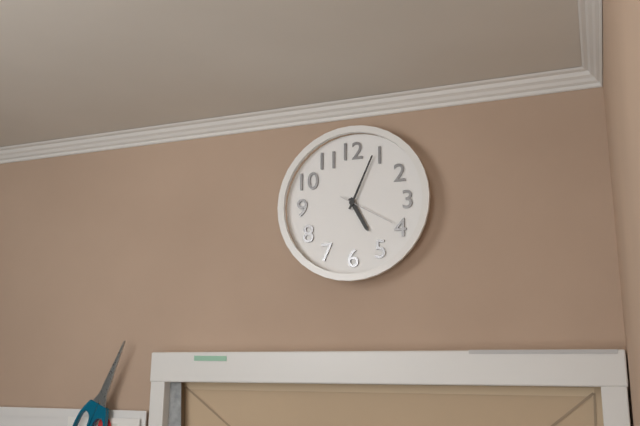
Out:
5 h 04 min 20 s
